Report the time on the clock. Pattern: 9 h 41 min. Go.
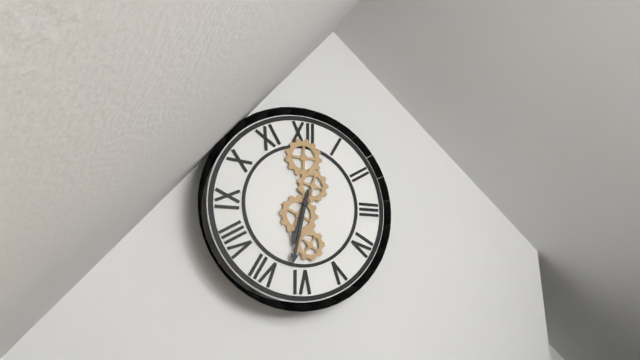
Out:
6 h 32 min
